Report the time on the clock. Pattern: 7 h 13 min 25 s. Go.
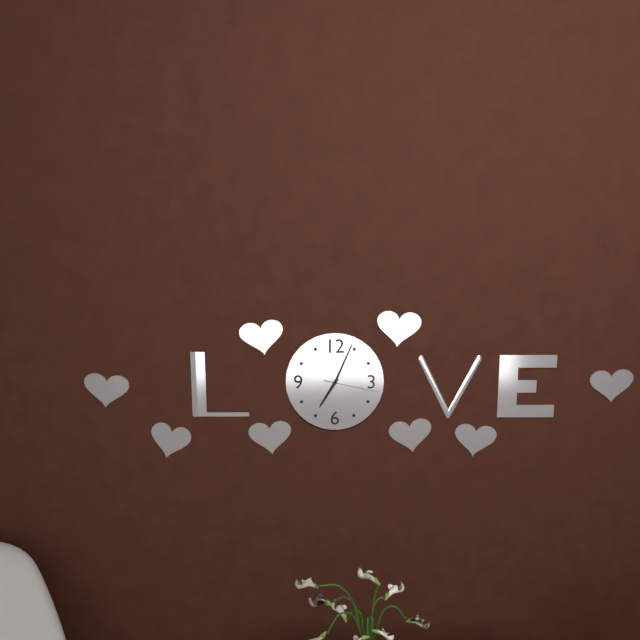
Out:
7 h 04 min 17 s
